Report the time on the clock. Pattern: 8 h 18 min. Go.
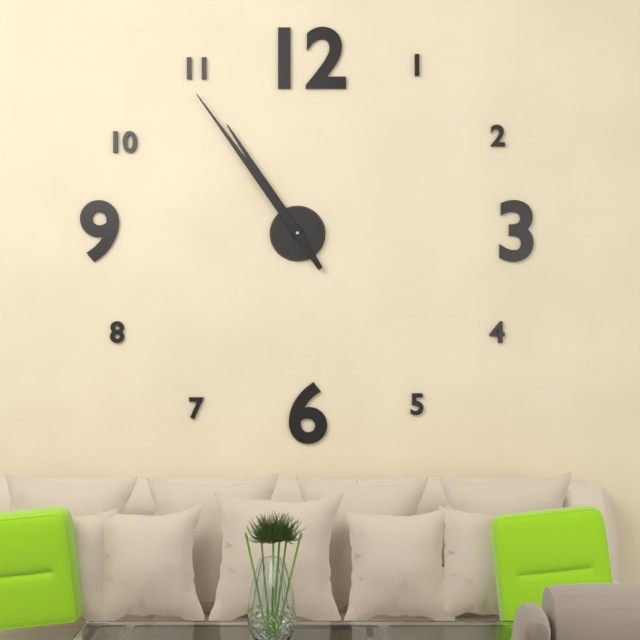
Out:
10 h 54 min
